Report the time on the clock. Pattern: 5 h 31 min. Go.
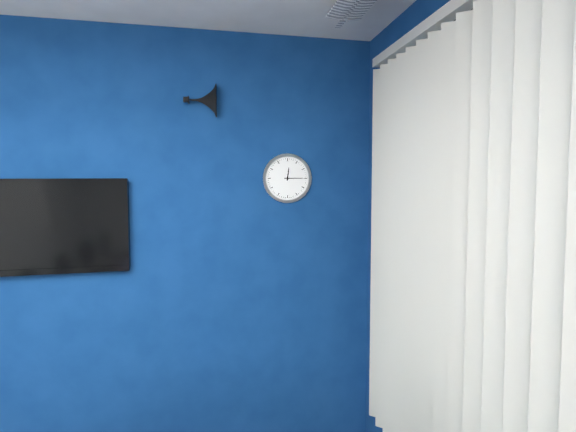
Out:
12 h 15 min
